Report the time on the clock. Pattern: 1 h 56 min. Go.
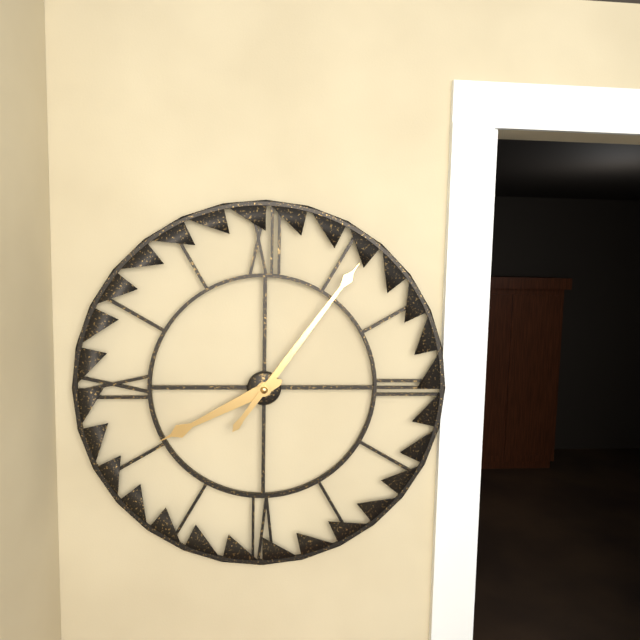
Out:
8 h 06 min
